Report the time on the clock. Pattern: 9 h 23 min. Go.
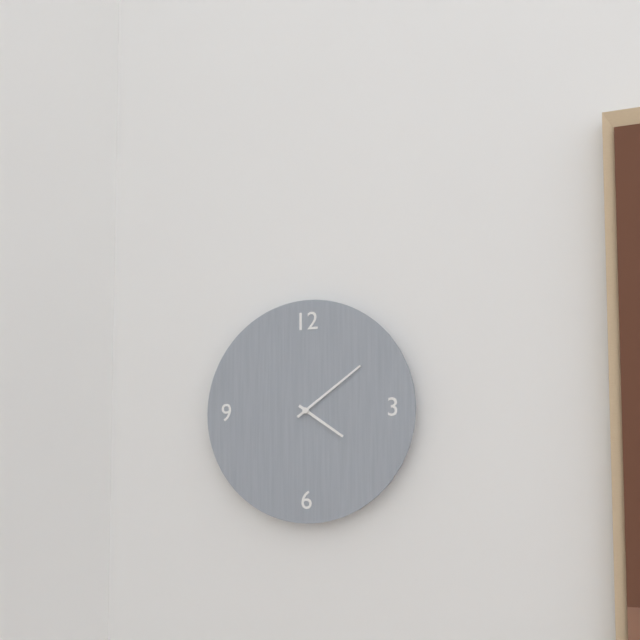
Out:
4 h 09 min
